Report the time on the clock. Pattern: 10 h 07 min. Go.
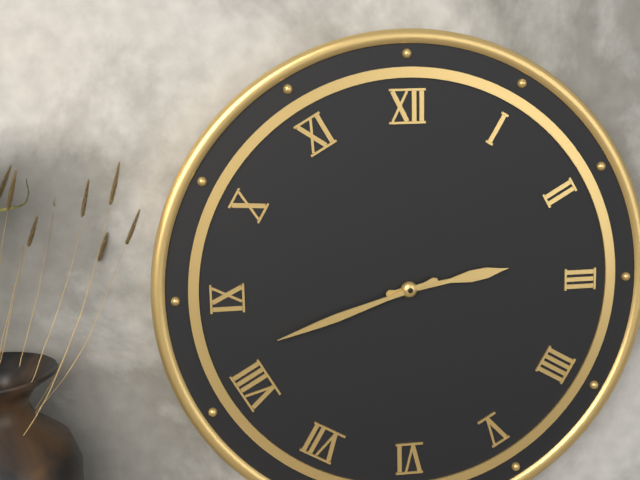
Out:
2 h 42 min
